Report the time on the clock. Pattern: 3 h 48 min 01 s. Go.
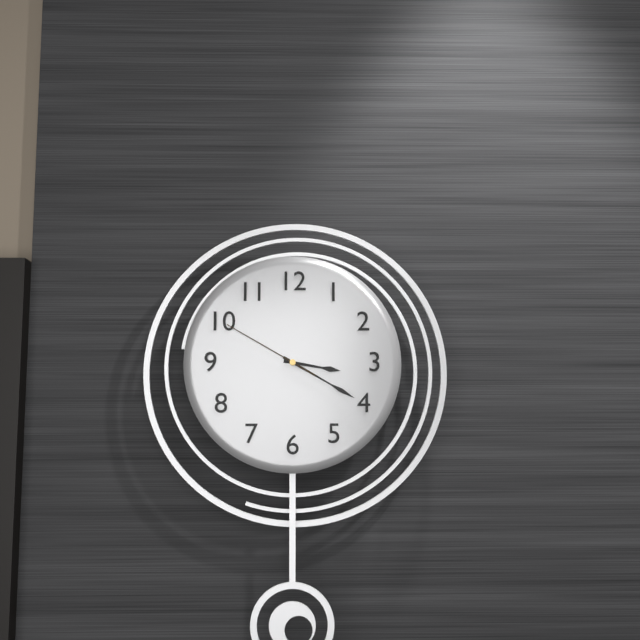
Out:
3 h 20 min 50 s
